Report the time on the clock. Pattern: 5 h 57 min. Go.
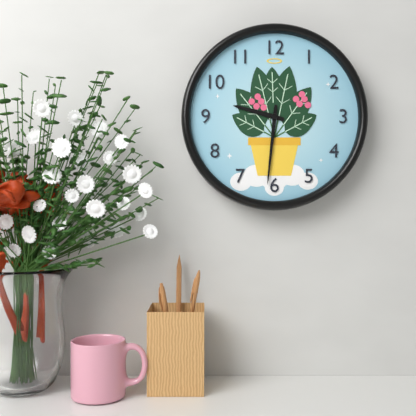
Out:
9 h 31 min
